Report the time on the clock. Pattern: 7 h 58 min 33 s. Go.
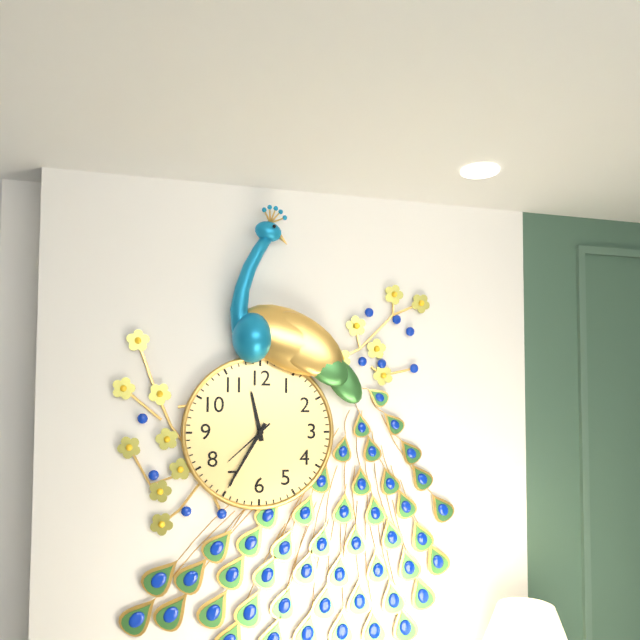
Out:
11 h 35 min 38 s
